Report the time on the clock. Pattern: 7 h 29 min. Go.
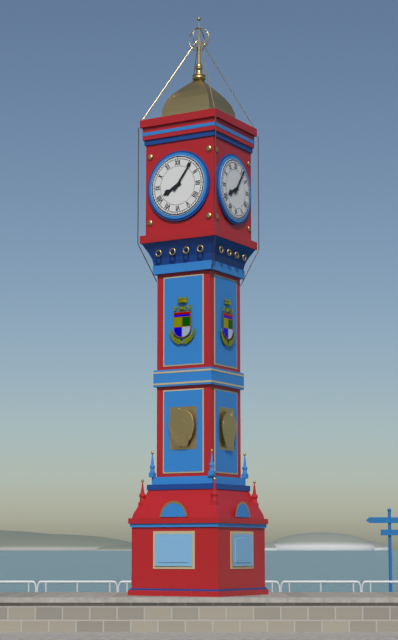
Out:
8 h 06 min
